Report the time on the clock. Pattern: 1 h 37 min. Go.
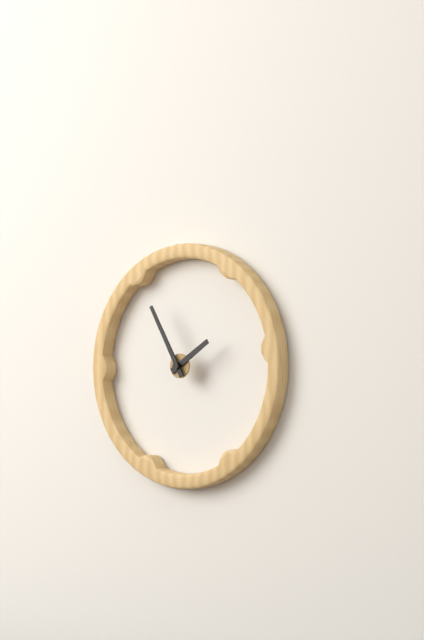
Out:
1 h 55 min
